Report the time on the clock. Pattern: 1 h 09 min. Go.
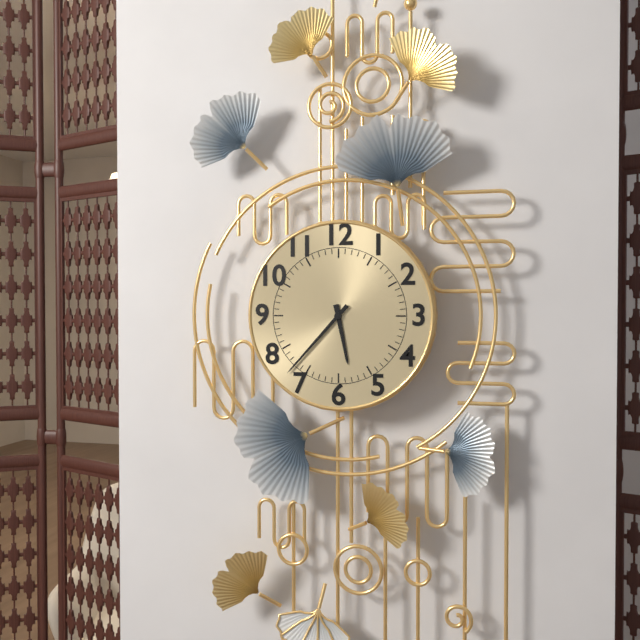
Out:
5 h 37 min
